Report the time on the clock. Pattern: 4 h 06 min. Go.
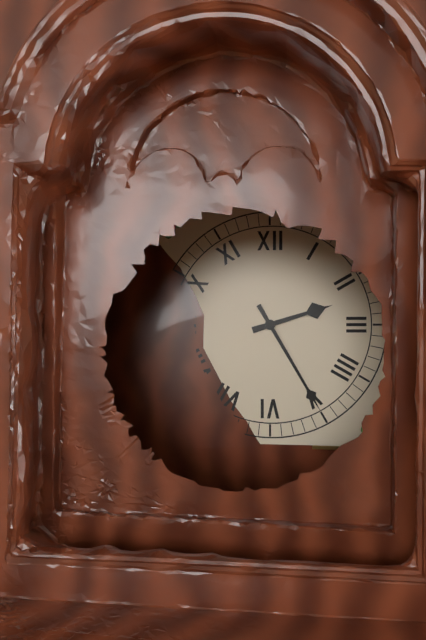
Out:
2 h 25 min
